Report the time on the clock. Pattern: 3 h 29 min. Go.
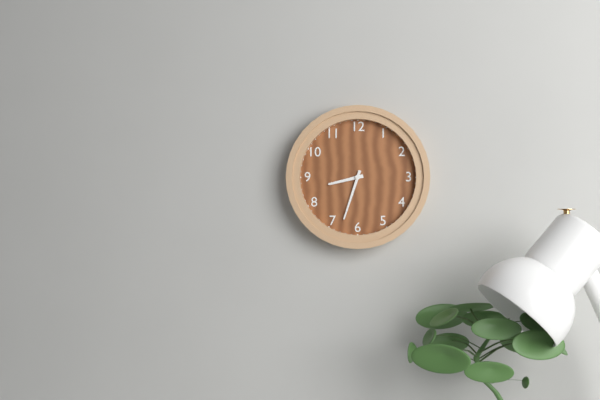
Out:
8 h 33 min
